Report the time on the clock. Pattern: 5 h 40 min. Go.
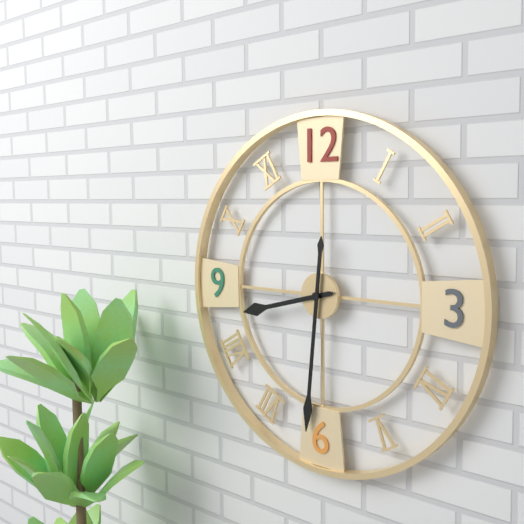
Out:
8 h 31 min
